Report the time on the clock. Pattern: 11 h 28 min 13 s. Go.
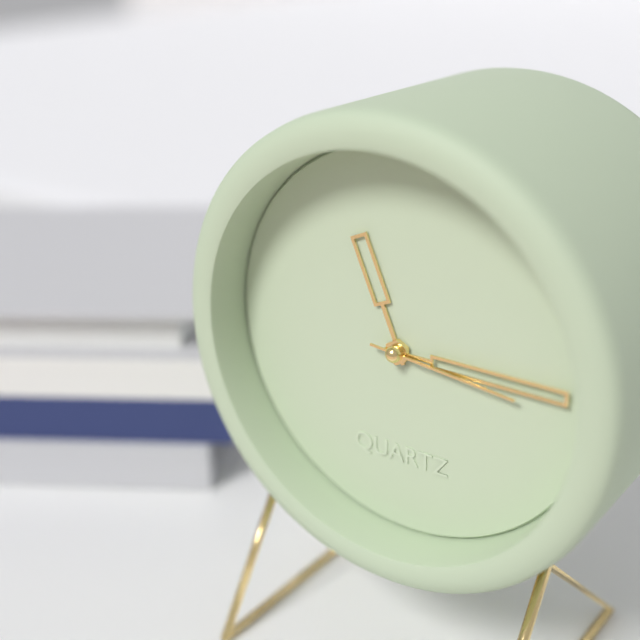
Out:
11 h 15 min 16 s
